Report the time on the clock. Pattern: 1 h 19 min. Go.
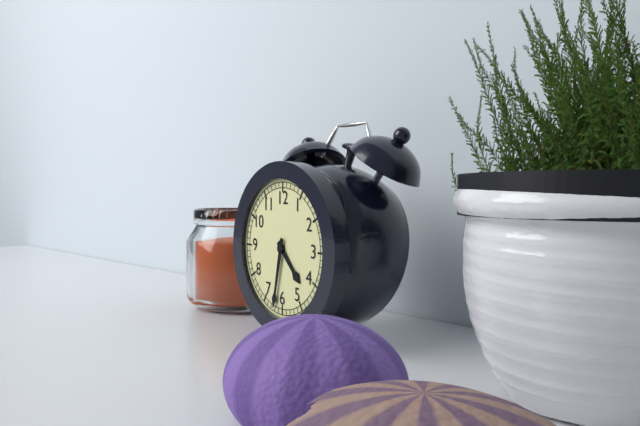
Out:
4 h 32 min
